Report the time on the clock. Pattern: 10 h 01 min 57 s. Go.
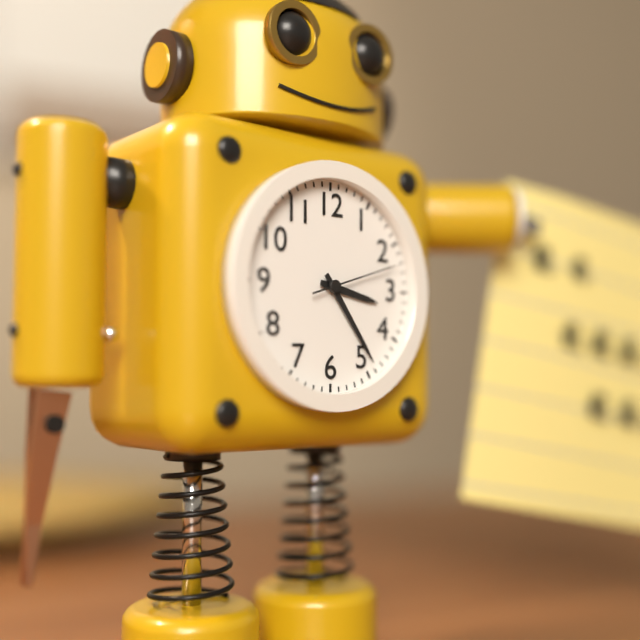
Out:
3 h 24 min 12 s
